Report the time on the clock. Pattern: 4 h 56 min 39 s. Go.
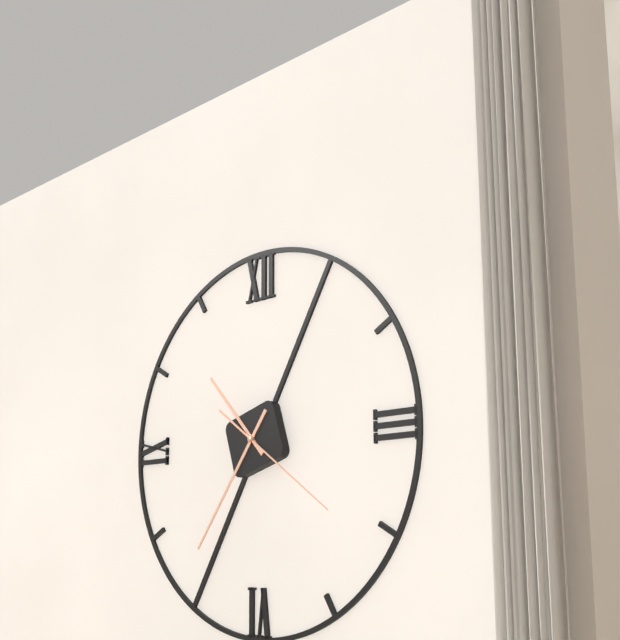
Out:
10 h 36 min 21 s
